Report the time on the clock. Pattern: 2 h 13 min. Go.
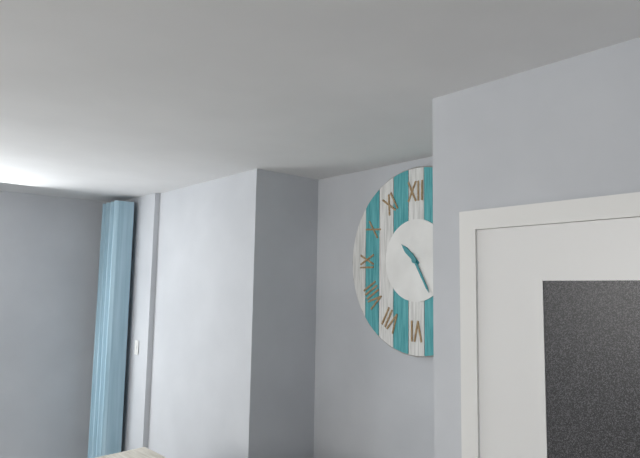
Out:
10 h 25 min
